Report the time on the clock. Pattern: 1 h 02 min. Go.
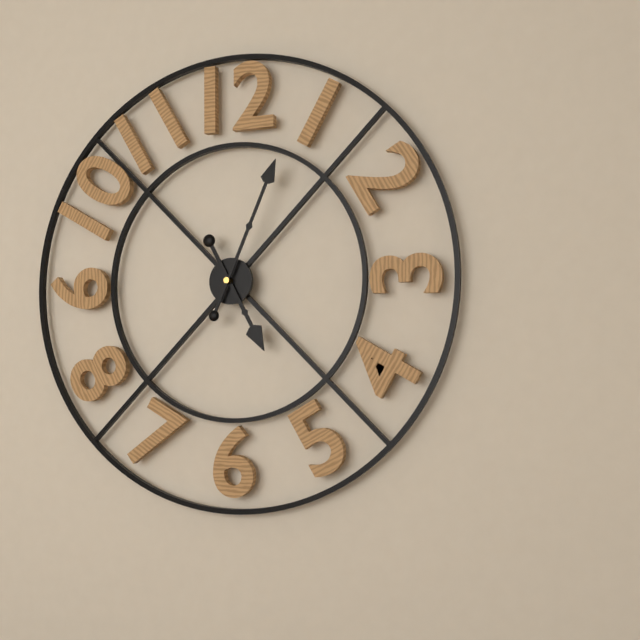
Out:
5 h 04 min
